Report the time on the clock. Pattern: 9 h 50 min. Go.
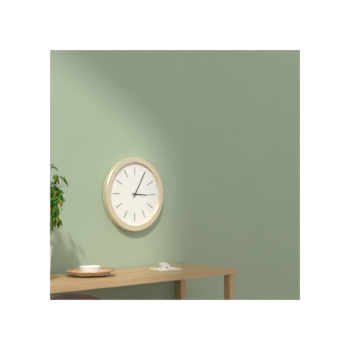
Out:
3 h 05 min
